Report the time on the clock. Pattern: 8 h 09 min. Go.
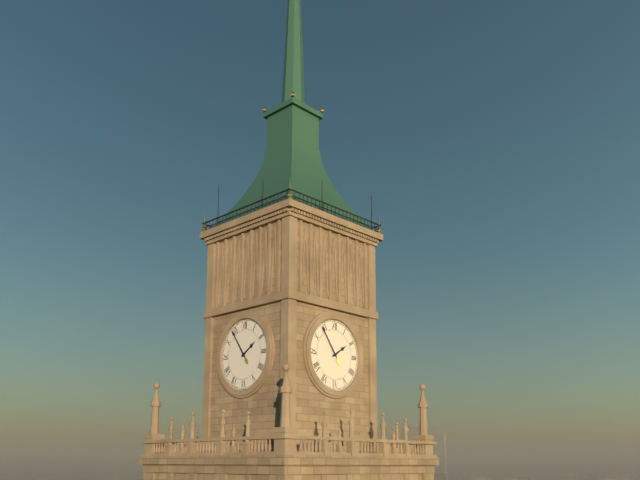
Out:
1 h 54 min
